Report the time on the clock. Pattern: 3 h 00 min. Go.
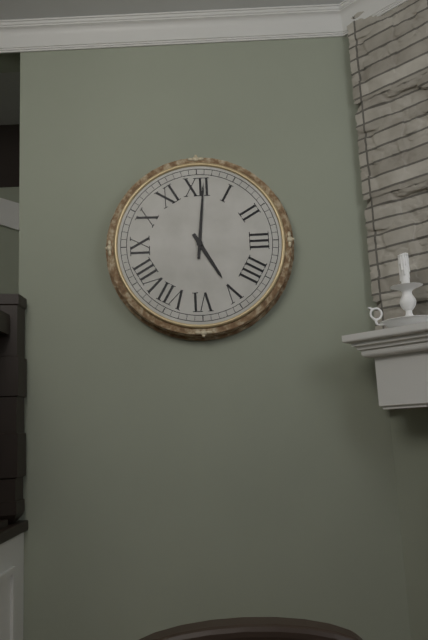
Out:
5 h 01 min
